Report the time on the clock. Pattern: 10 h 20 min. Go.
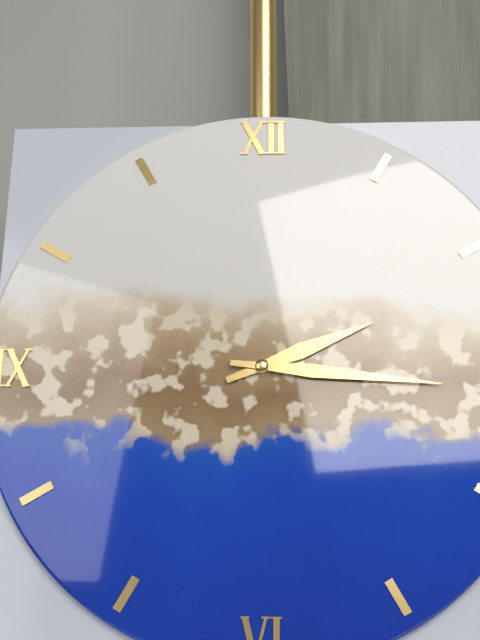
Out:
2 h 16 min
